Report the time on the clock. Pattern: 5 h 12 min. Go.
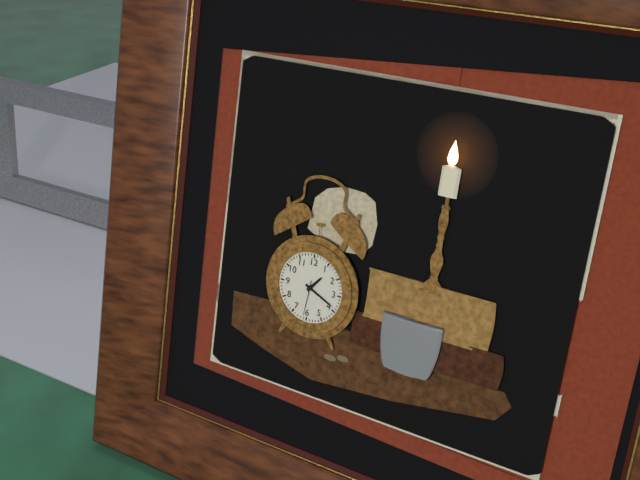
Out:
1 h 19 min
